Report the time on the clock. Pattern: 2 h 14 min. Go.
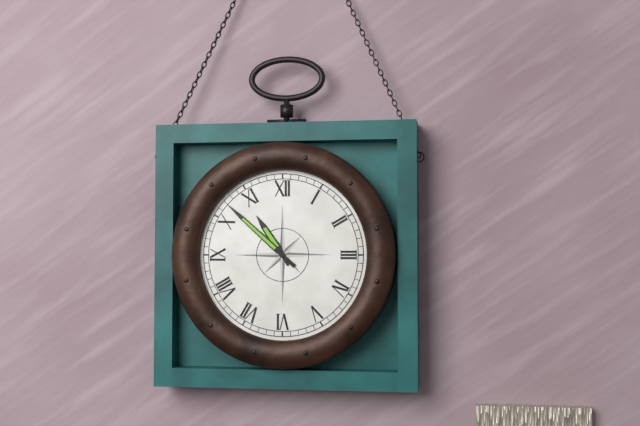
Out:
10 h 52 min
